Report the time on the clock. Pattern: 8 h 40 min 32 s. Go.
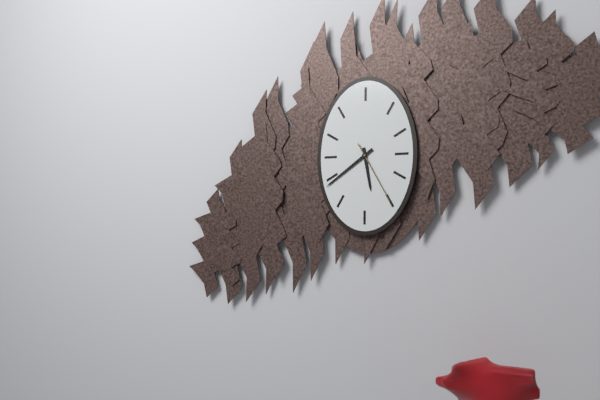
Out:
5 h 39 min 25 s
